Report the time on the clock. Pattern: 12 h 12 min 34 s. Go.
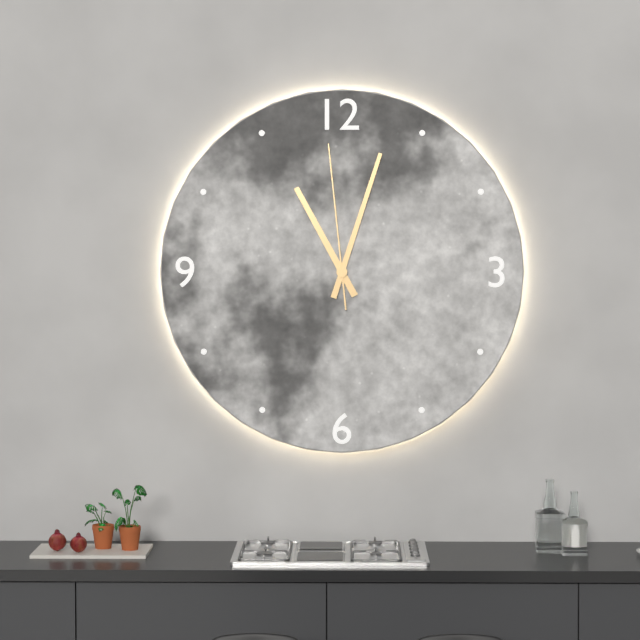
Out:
11 h 03 min 59 s
